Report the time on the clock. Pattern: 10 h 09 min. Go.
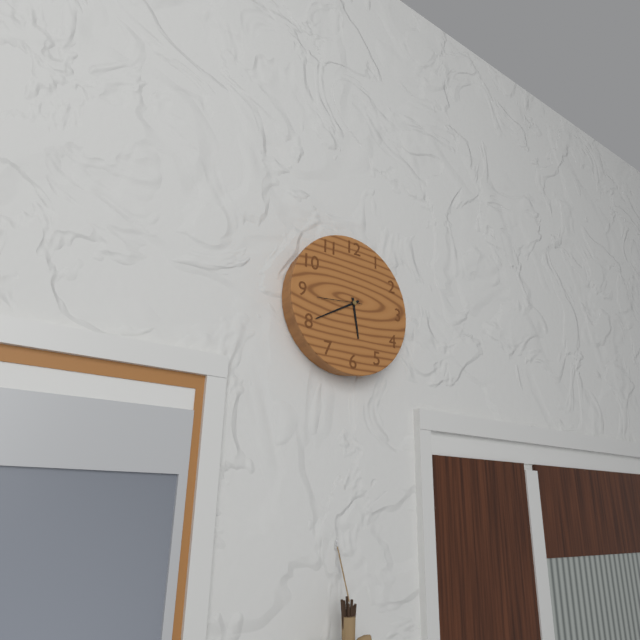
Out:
5 h 40 min
